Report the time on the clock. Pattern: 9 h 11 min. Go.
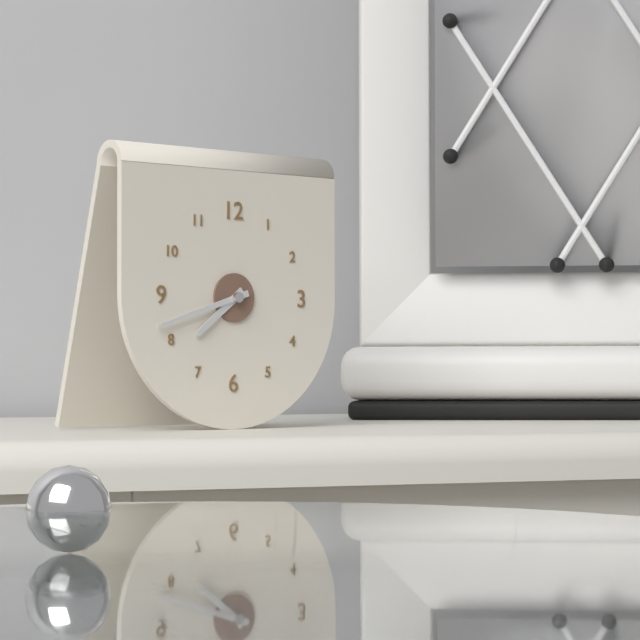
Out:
7 h 42 min
